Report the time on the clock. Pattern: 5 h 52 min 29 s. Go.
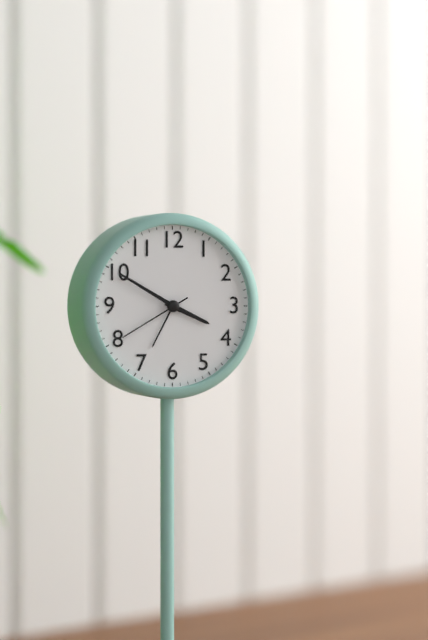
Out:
3 h 50 min 40 s
